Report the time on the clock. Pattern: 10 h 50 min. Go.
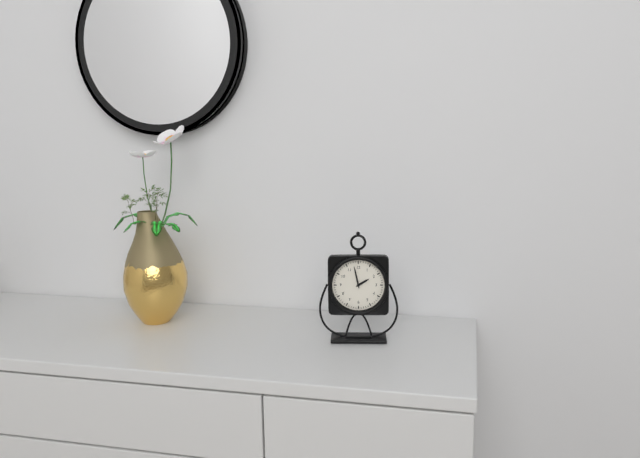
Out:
1 h 58 min
